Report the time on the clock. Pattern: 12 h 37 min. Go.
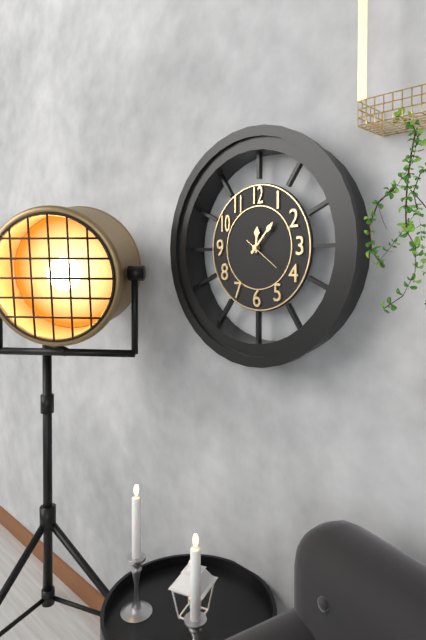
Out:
12 h 07 min
